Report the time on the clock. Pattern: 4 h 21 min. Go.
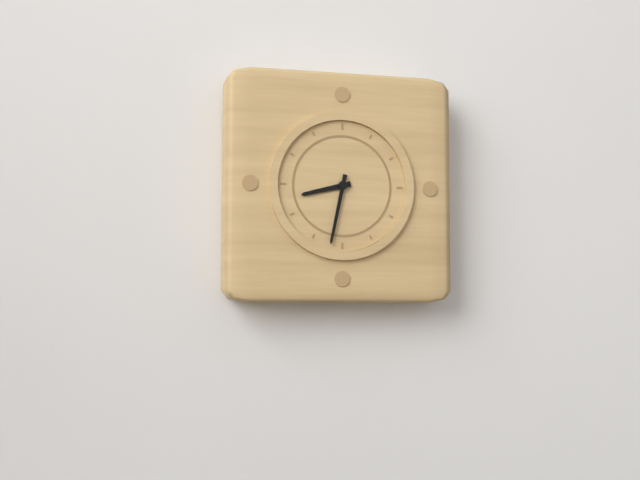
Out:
8 h 32 min
